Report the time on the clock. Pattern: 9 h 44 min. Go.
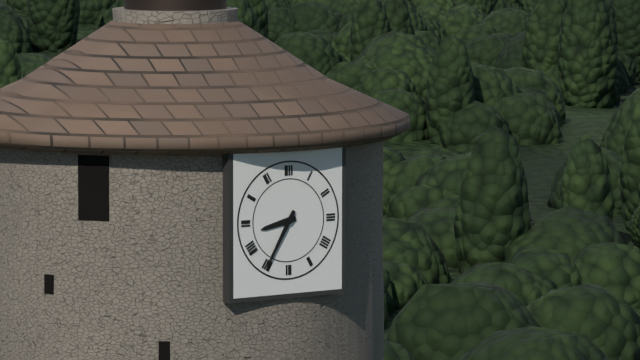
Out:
8 h 35 min
